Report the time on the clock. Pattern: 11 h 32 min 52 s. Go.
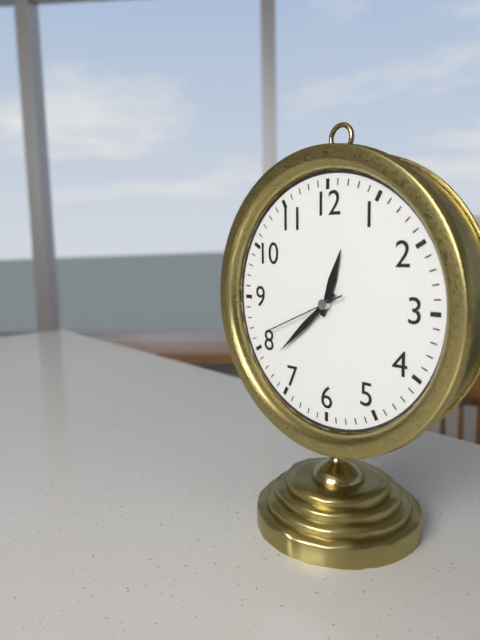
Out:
12 h 38 min 41 s
